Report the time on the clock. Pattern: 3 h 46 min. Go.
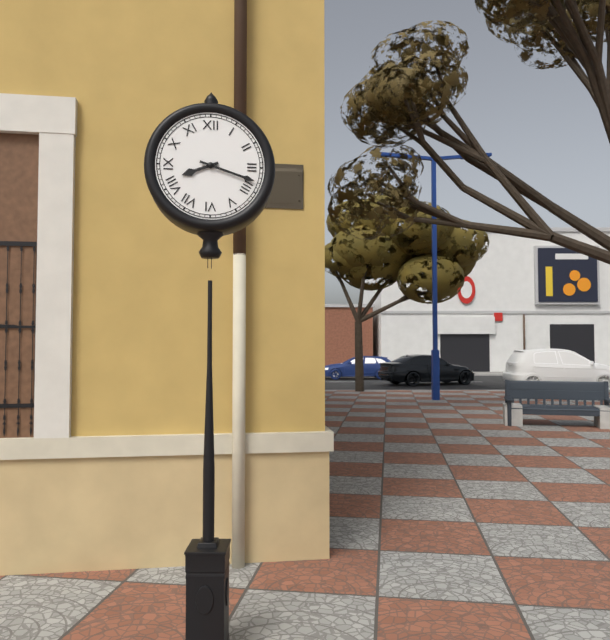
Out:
8 h 18 min
